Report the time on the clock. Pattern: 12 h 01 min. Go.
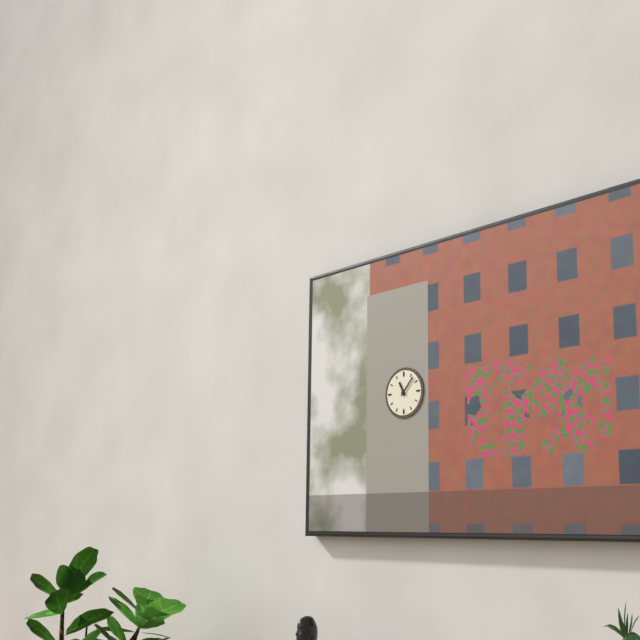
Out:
11 h 07 min
